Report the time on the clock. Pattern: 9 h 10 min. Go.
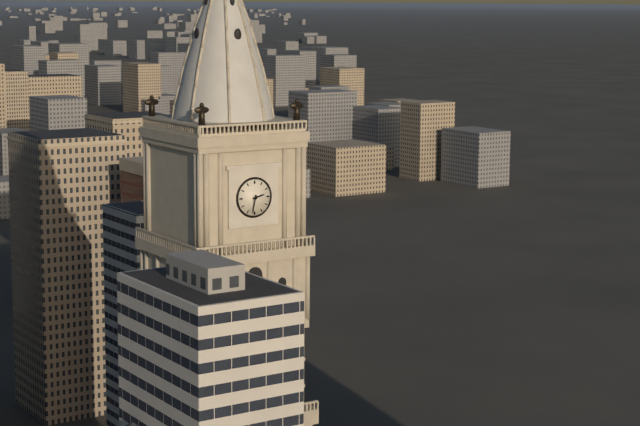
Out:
2 h 32 min
